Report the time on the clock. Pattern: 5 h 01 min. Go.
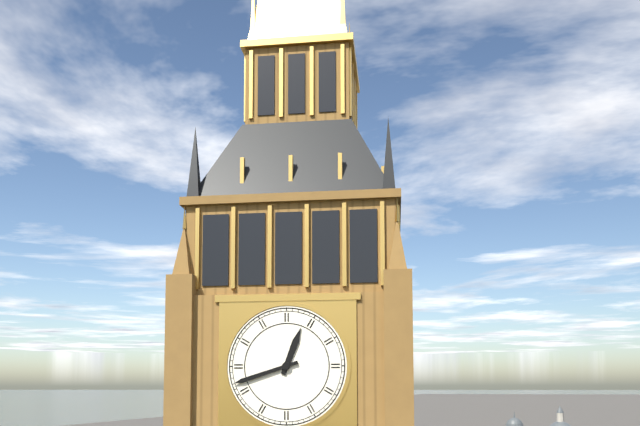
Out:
12 h 42 min
